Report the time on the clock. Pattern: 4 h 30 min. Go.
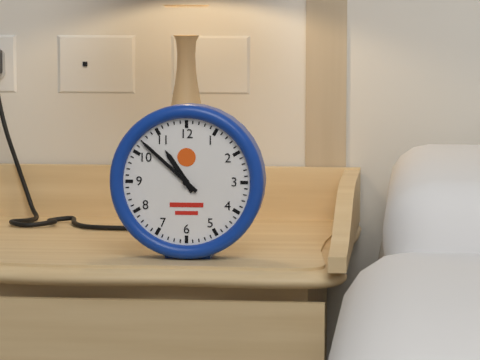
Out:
10 h 52 min
